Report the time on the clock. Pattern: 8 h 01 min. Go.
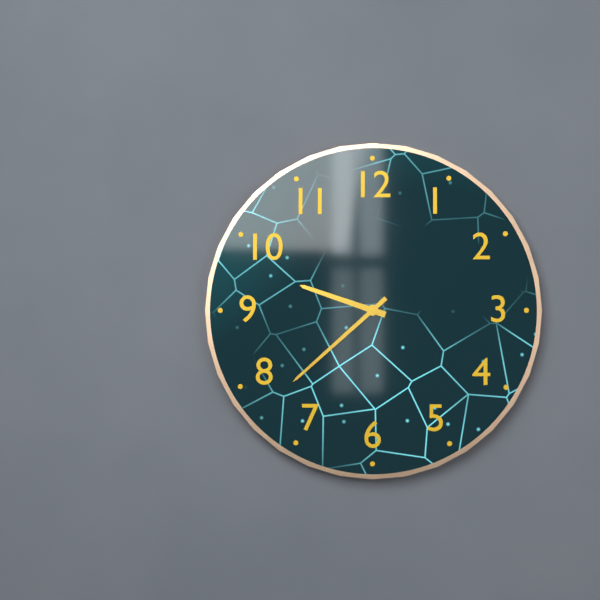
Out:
9 h 38 min
